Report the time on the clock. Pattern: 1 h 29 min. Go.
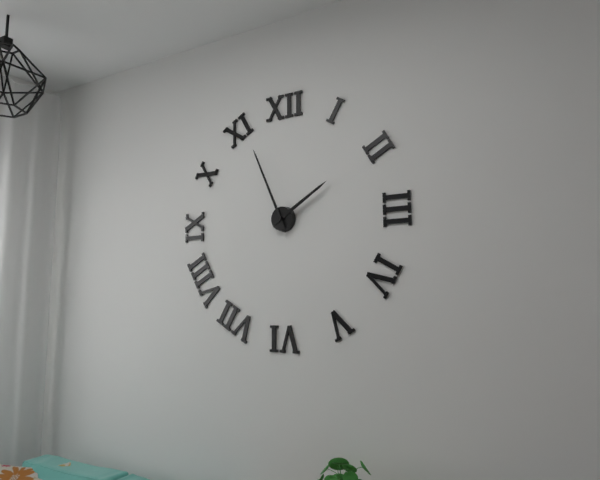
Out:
1 h 56 min
